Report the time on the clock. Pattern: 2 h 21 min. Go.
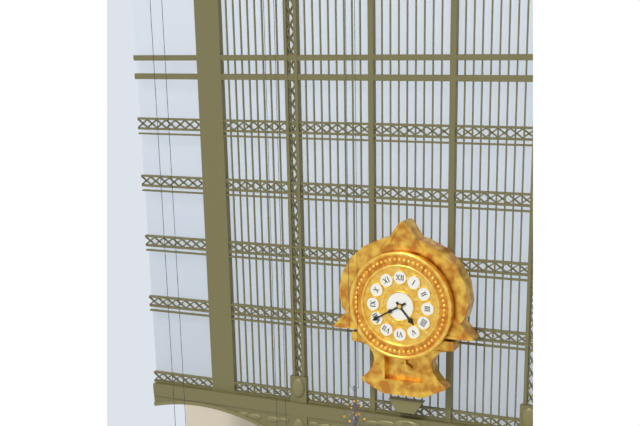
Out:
4 h 40 min
